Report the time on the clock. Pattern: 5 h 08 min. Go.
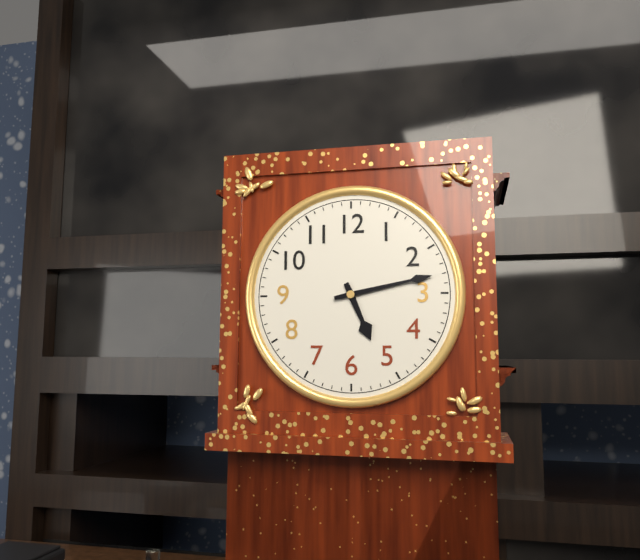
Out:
5 h 13 min
